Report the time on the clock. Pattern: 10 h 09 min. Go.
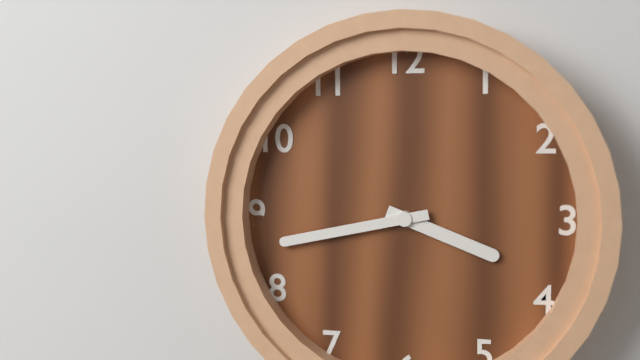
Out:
3 h 43 min
